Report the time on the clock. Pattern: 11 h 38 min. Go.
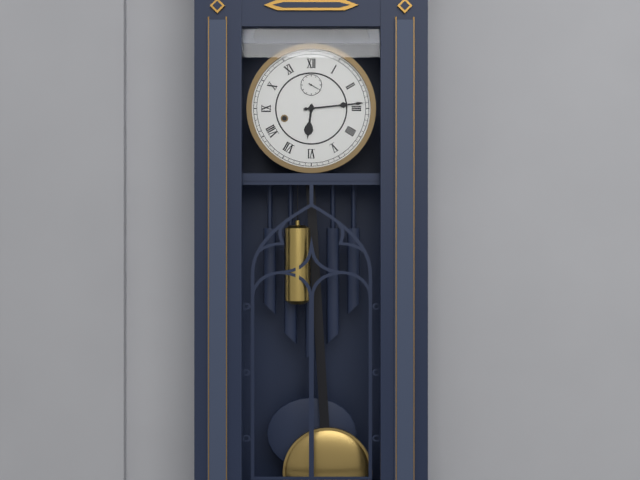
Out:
6 h 14 min
